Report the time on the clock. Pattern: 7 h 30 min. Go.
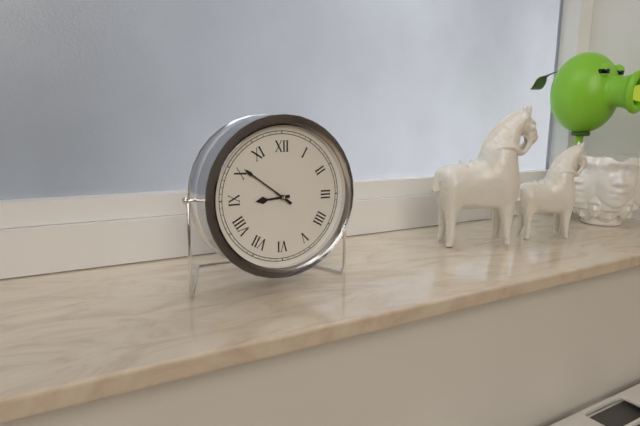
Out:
8 h 51 min
